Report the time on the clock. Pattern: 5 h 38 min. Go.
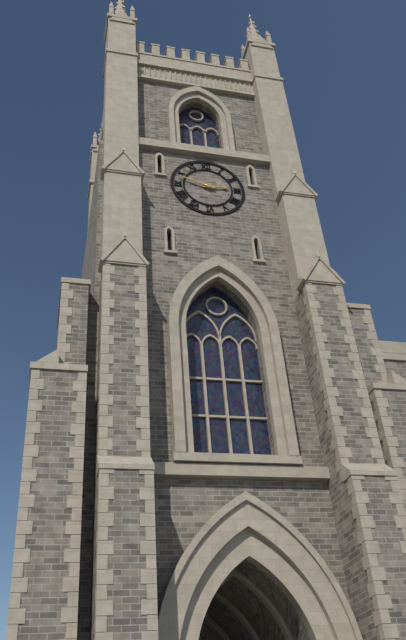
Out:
2 h 48 min
